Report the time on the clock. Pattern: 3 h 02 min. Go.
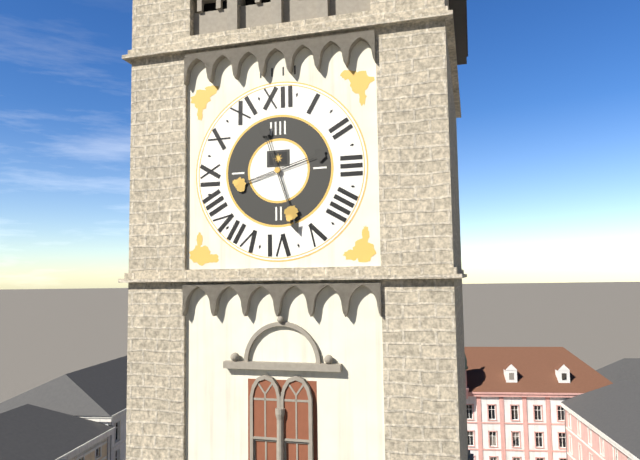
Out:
8 h 27 min
